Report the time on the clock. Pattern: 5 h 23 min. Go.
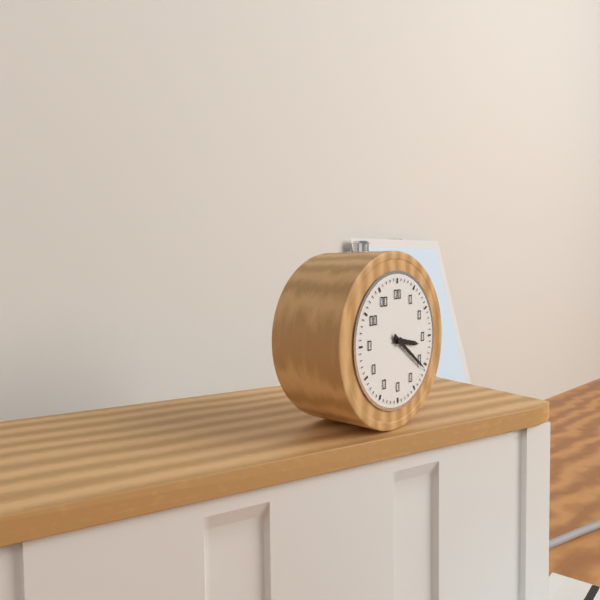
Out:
3 h 21 min
